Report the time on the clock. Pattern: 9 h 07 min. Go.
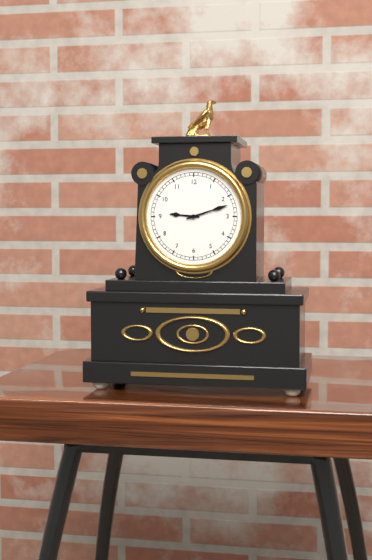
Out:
9 h 12 min
